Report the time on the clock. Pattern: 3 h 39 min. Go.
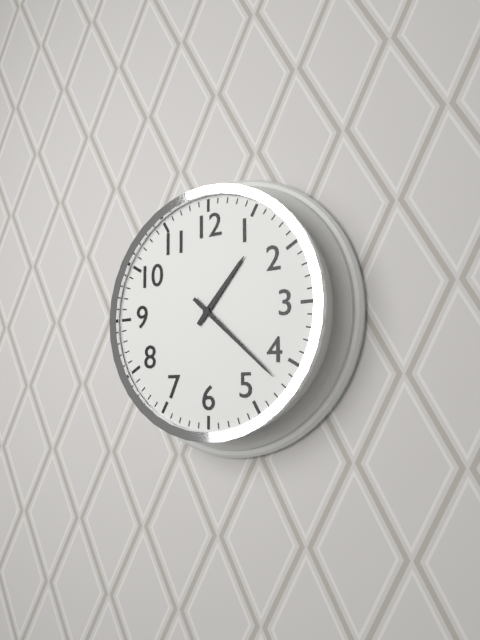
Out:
1 h 22 min
